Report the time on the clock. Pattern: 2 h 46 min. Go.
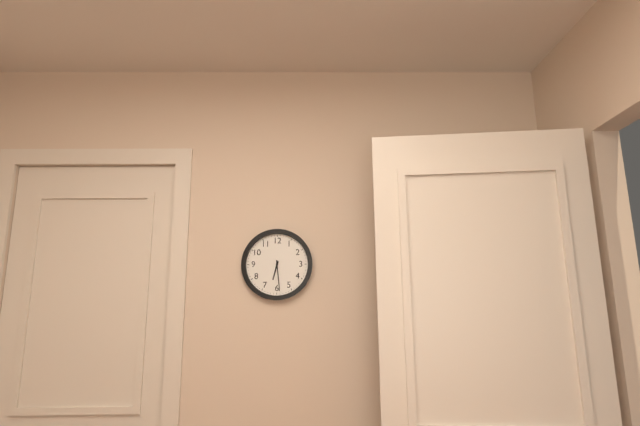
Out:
6 h 29 min
